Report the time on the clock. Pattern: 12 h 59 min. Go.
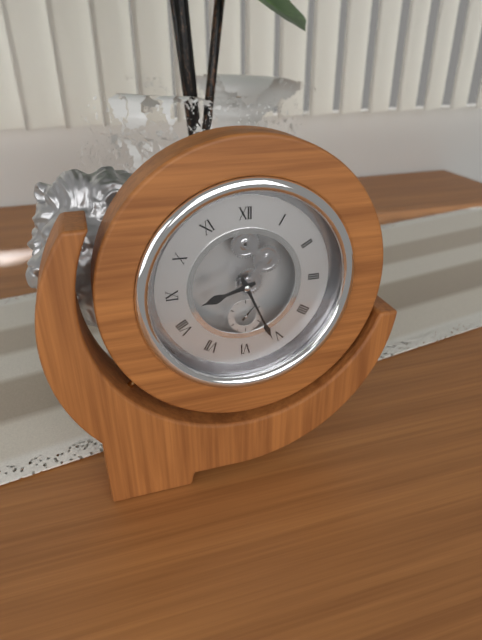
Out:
8 h 26 min
